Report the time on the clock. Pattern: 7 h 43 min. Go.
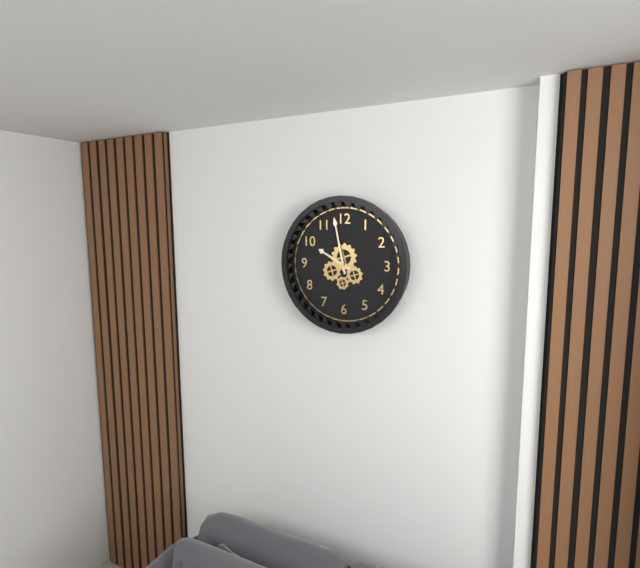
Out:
9 h 58 min
